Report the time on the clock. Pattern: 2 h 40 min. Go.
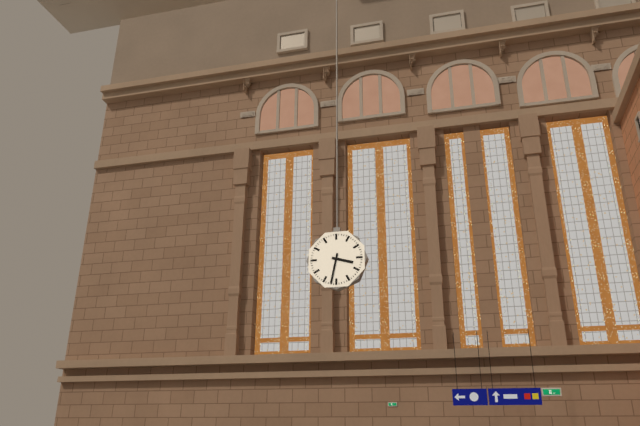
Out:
3 h 32 min
